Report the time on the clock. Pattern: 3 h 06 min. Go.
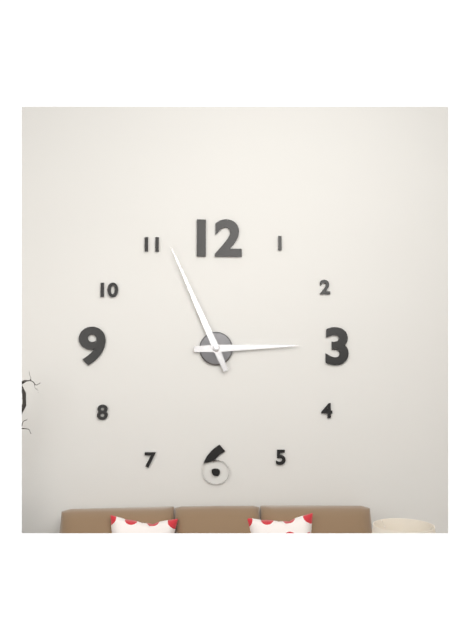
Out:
2 h 56 min
